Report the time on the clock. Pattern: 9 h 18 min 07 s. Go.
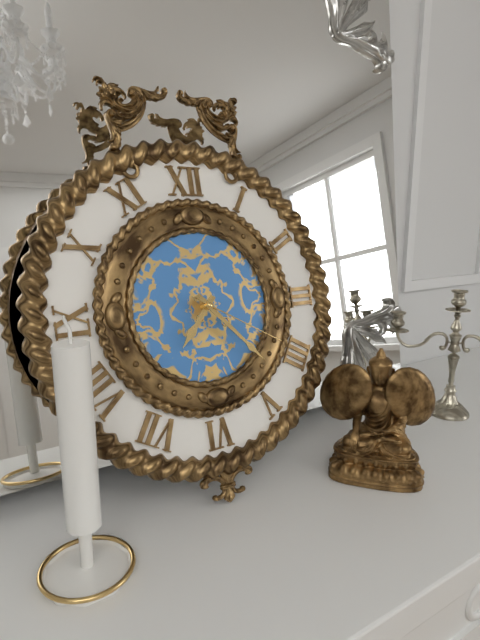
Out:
7 h 23 min 20 s
